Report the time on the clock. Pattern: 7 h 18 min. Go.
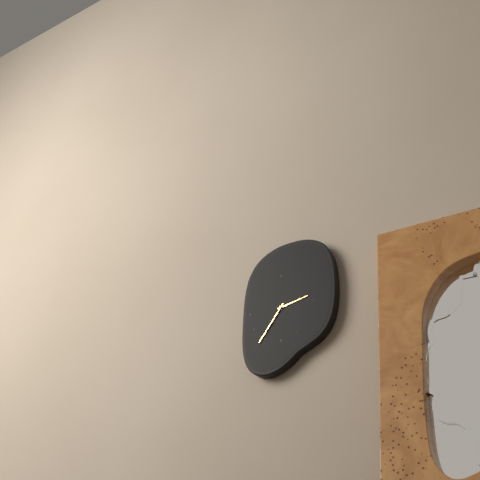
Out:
2 h 36 min
